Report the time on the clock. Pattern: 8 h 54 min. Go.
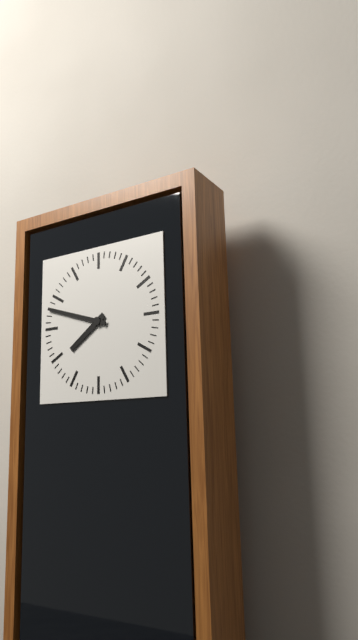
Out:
7 h 48 min
